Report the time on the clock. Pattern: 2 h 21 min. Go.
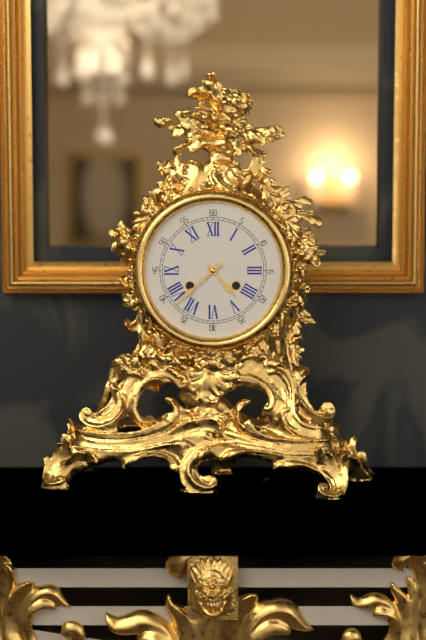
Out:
4 h 38 min
